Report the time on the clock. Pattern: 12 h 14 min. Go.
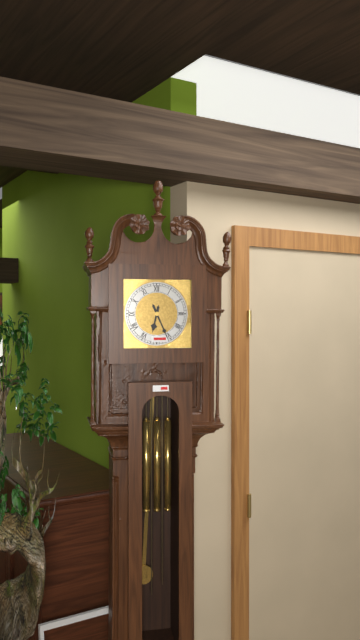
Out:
6 h 26 min
